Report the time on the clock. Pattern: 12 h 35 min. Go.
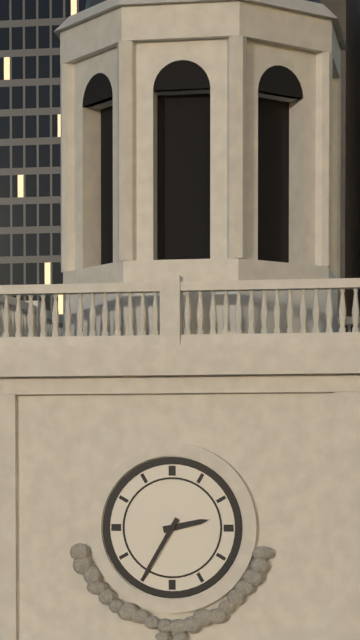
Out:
2 h 35 min
